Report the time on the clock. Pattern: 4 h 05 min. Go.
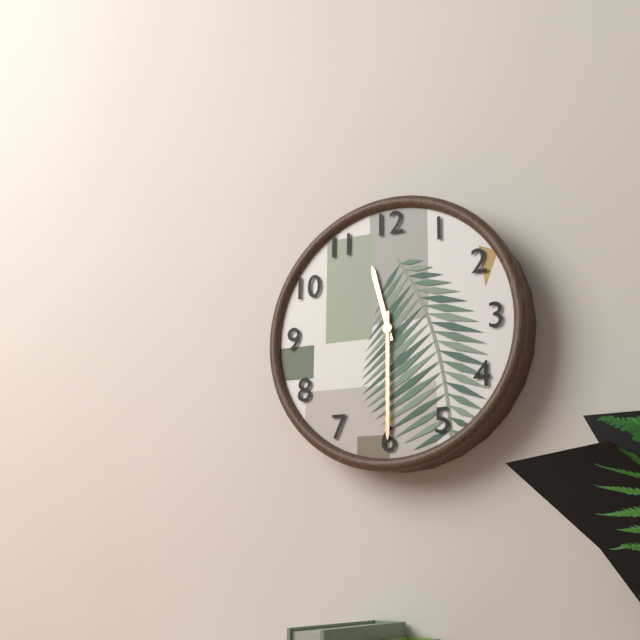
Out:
11 h 30 min
